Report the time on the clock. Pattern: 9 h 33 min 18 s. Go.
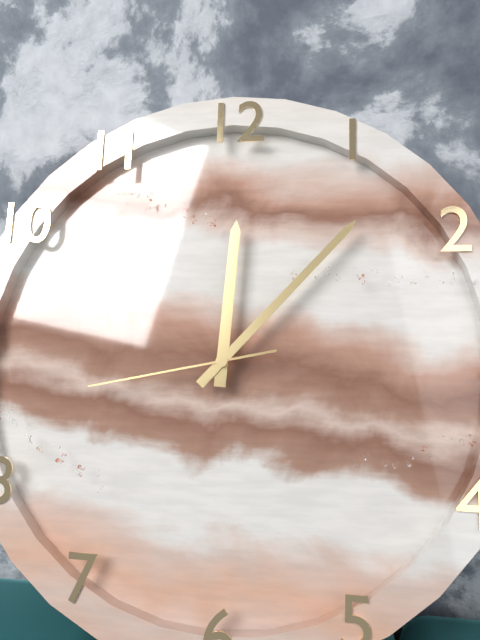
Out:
12 h 07 min 43 s
